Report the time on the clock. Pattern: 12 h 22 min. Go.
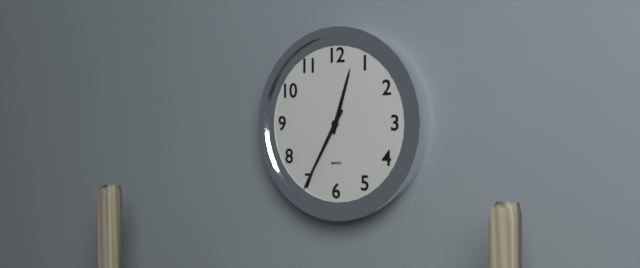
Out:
12 h 35 min
